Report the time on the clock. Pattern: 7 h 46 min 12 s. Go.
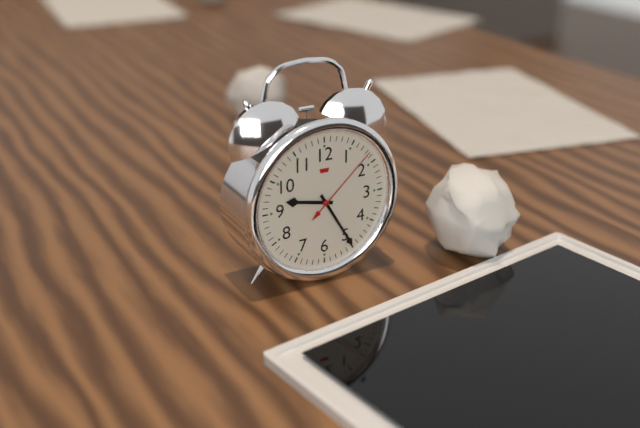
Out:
9 h 25 min 08 s
